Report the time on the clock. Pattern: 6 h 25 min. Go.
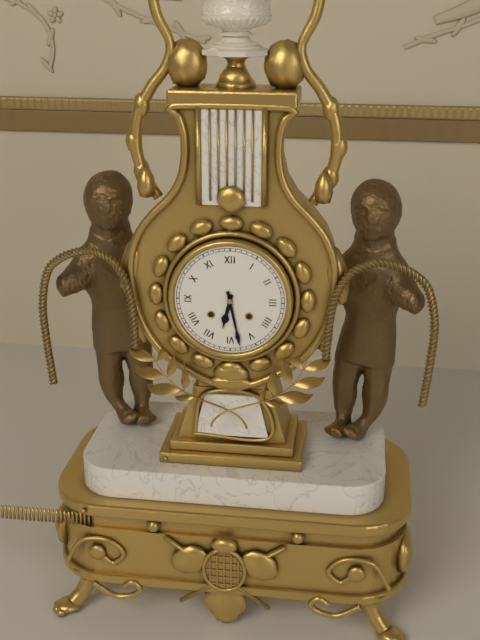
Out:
6 h 28 min
